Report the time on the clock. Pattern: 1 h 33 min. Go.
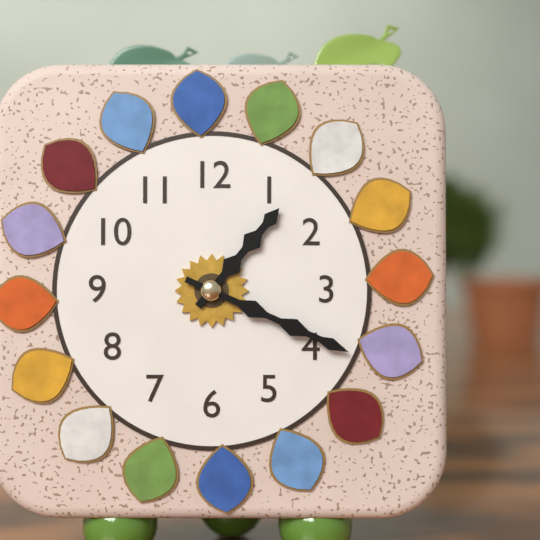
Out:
1 h 19 min
